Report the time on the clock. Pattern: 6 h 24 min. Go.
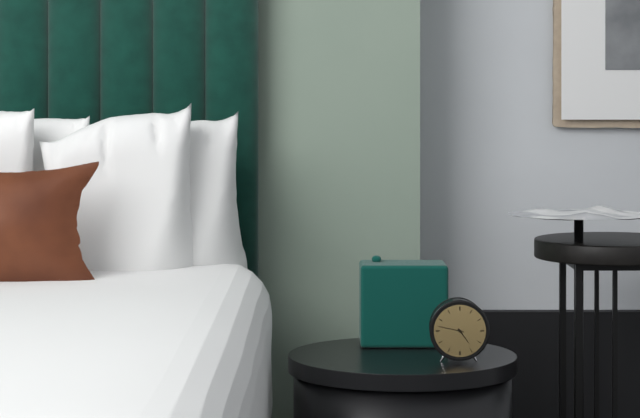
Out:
4 h 47 min
